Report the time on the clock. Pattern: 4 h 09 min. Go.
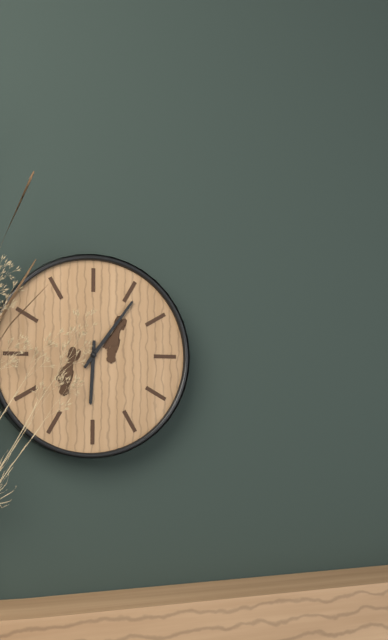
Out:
6 h 06 min
